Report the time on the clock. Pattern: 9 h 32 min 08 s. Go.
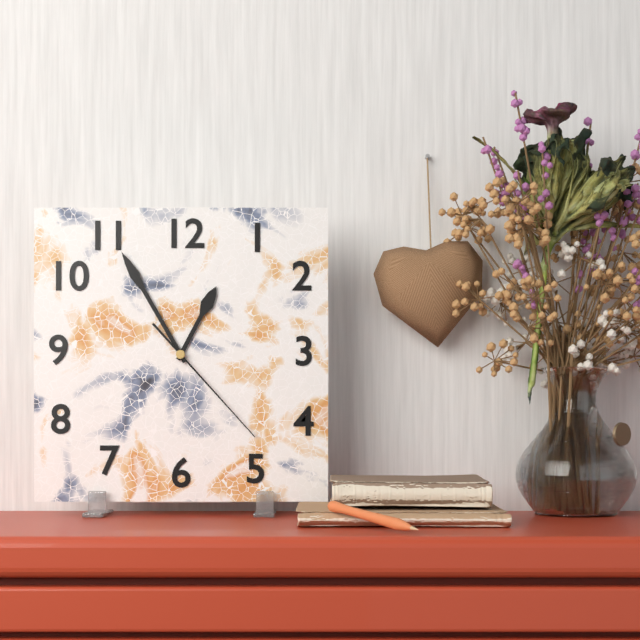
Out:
12 h 55 min 23 s
